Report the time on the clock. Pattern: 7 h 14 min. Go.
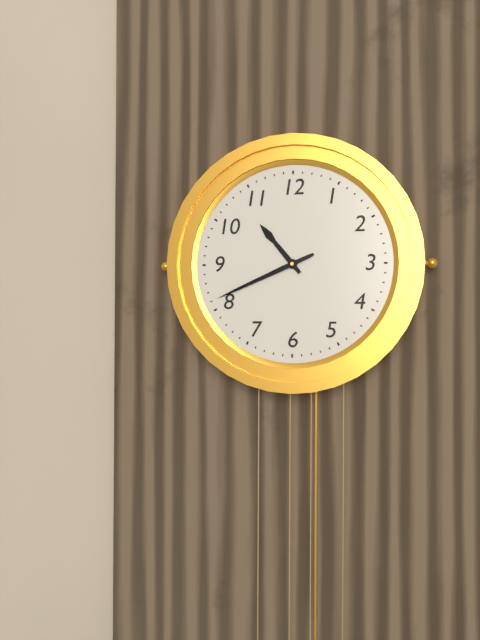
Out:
10 h 41 min
